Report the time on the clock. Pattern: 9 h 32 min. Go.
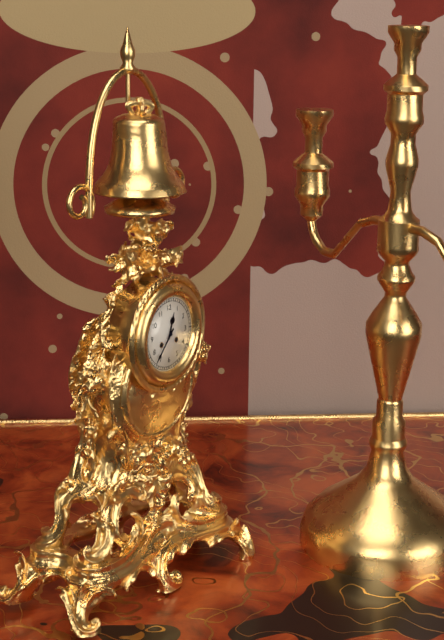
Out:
12 h 37 min
